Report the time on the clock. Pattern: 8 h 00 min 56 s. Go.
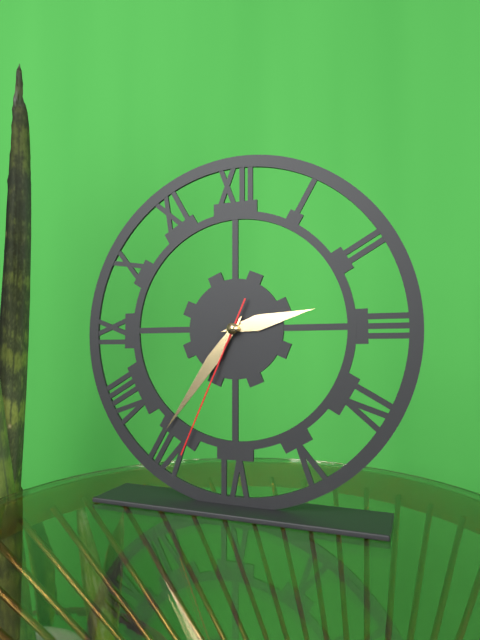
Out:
2 h 36 min 34 s
